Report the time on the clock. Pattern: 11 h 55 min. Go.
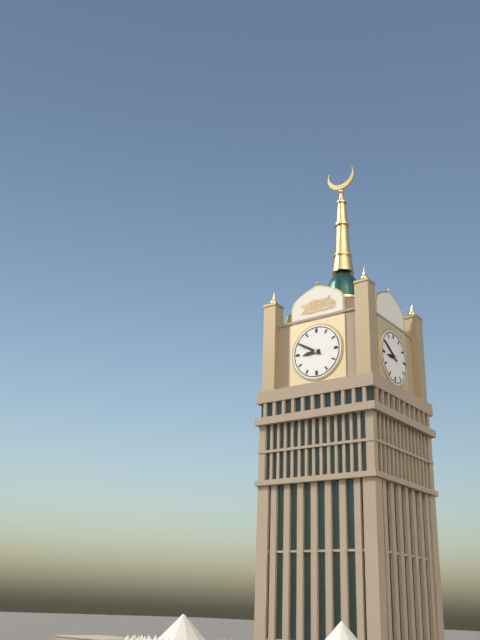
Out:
8 h 50 min
